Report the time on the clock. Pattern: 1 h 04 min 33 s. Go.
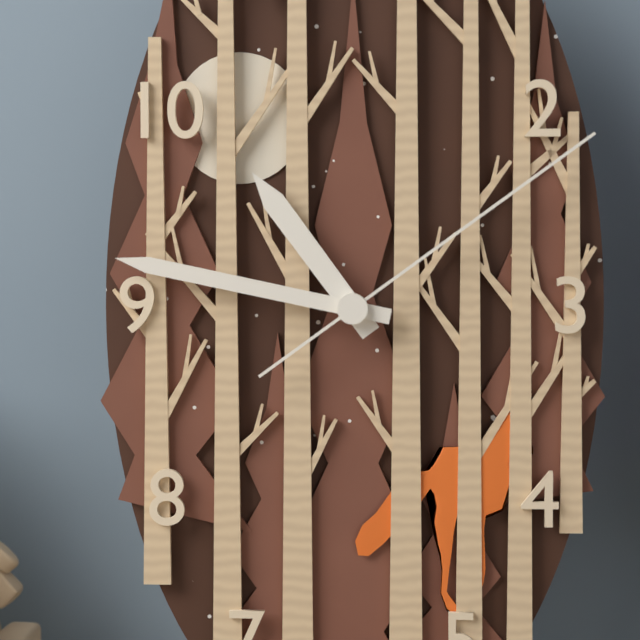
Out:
10 h 47 min 09 s
